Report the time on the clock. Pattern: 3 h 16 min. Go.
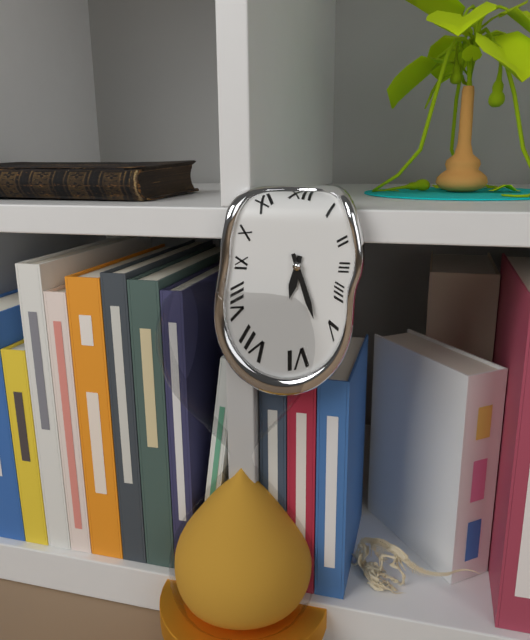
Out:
6 h 27 min
